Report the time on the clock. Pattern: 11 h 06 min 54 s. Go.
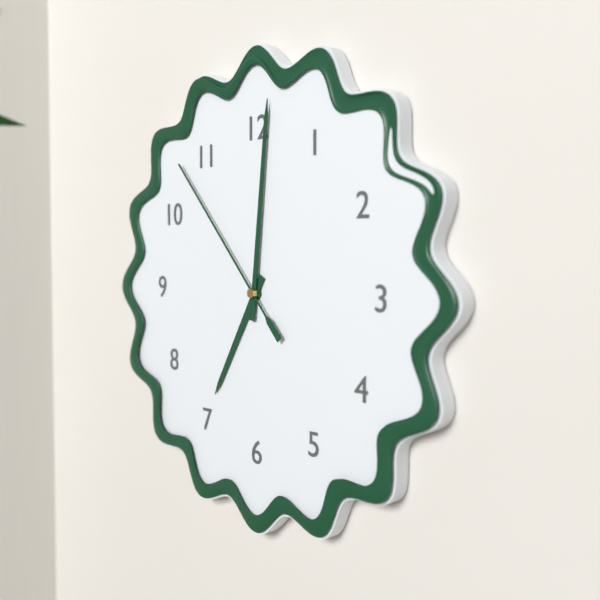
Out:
7 h 01 min 53 s
